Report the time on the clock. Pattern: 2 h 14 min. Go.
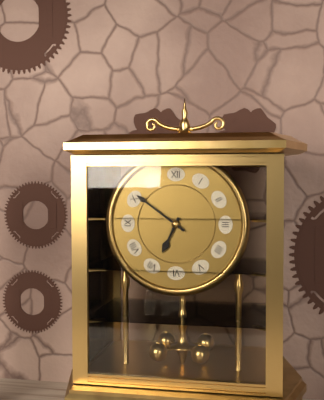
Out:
6 h 51 min
